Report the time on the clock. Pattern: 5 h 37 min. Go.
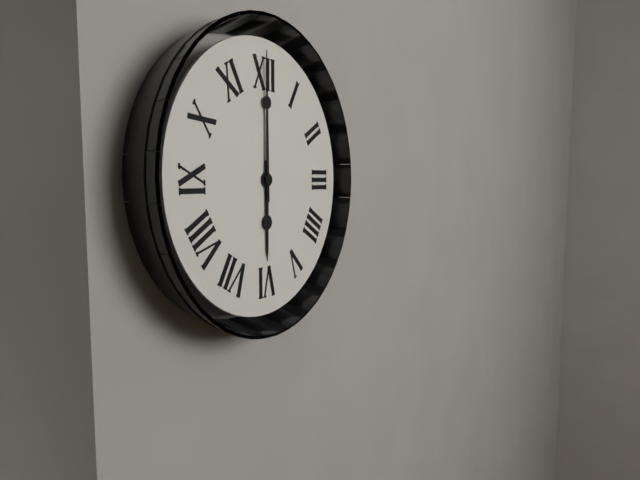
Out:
6 h 00 min
